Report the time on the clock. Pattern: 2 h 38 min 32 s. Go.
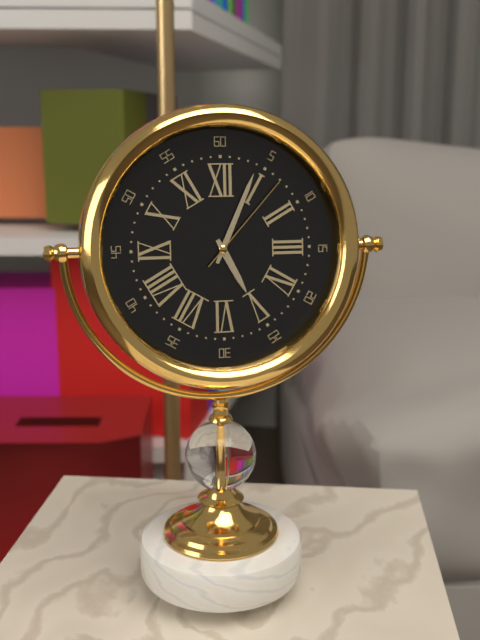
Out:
5 h 04 min 07 s
